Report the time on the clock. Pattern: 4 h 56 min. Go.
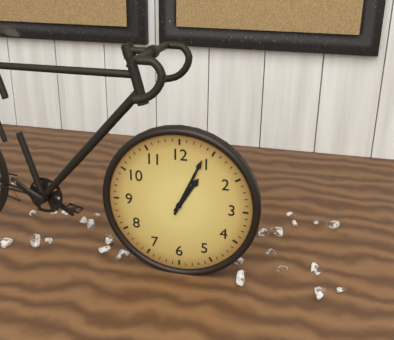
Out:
1 h 04 min
